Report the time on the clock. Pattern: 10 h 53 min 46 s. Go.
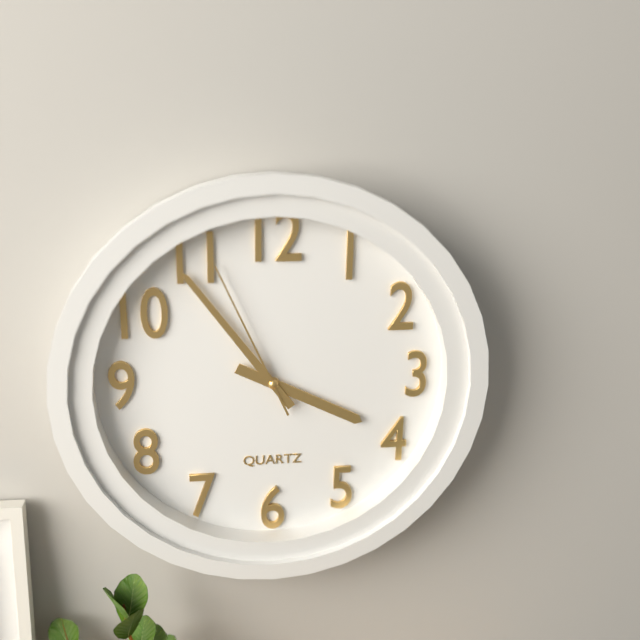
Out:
3 h 54 min 56 s
